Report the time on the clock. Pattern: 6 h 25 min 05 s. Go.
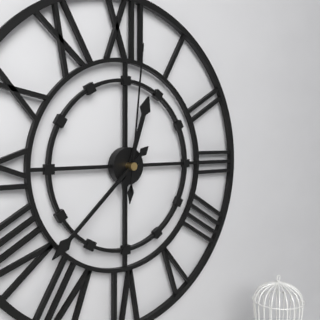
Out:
12 h 38 min 01 s
